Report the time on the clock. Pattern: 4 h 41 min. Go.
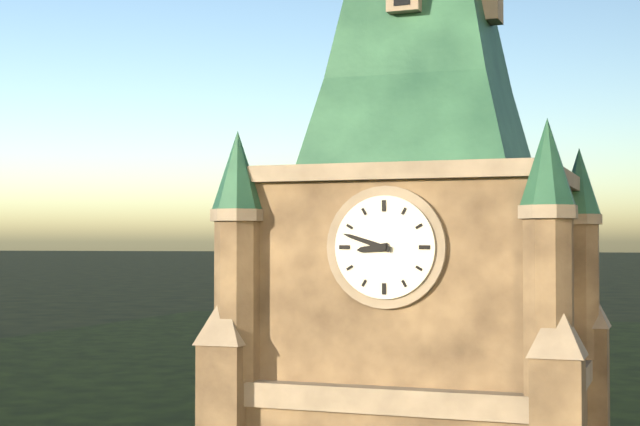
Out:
8 h 48 min
